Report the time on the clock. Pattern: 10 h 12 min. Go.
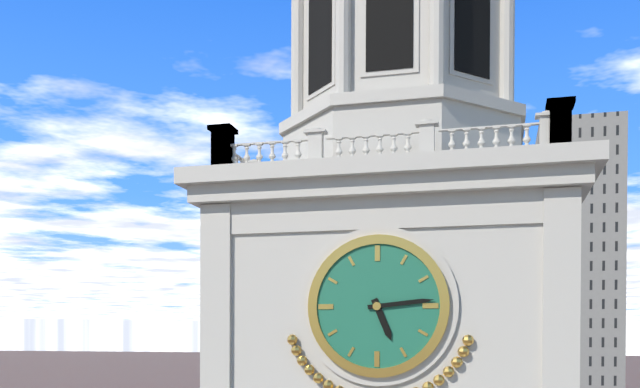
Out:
5 h 14 min
